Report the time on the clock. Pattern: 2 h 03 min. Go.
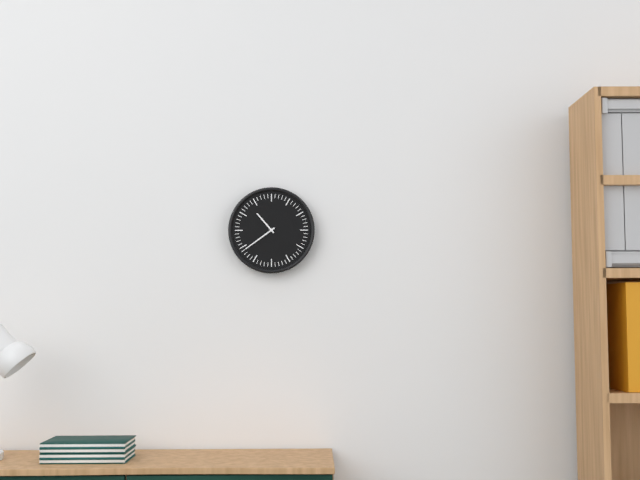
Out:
10 h 39 min
